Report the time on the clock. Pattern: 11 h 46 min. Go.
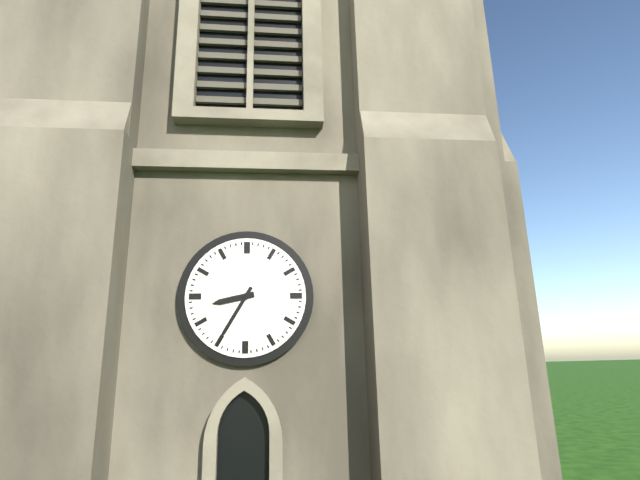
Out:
8 h 35 min
